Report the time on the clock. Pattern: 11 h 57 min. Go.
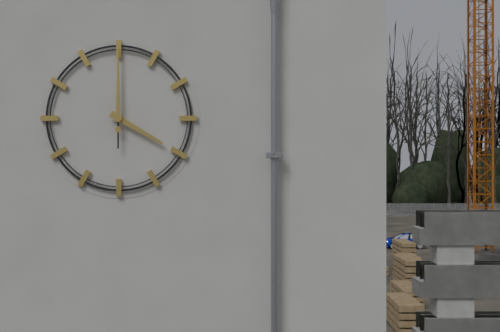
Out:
4 h 00 min
